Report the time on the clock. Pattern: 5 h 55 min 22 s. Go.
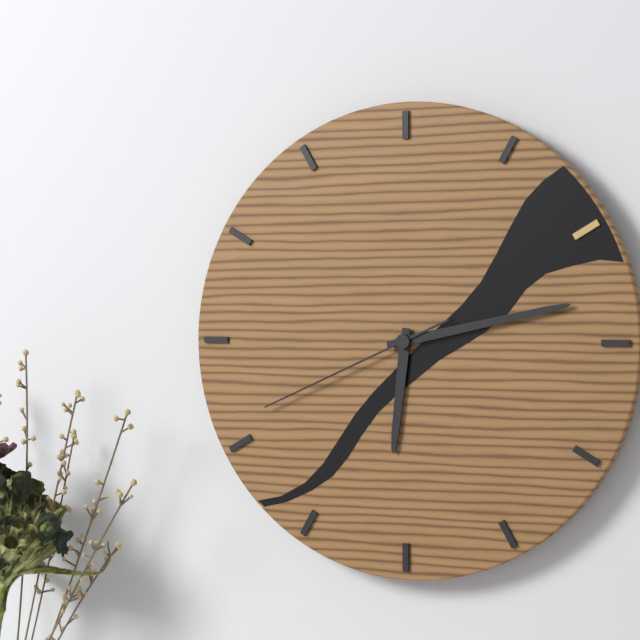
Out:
6 h 13 min 41 s
